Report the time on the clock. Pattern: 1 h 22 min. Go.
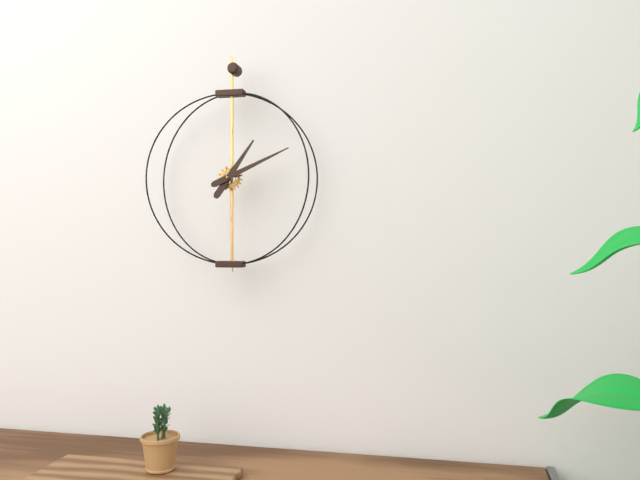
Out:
1 h 11 min
